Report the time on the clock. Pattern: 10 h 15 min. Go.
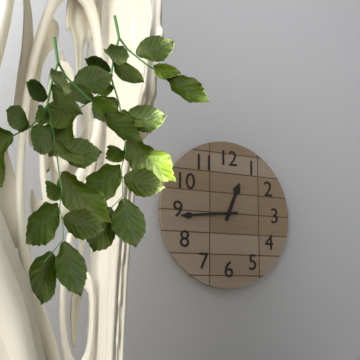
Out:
12 h 44 min
